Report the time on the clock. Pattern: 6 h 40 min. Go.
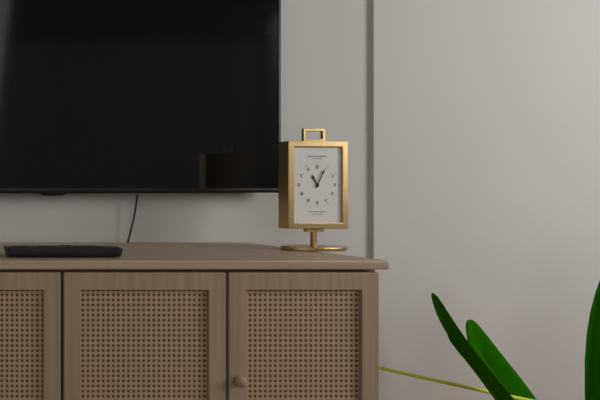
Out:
11 h 04 min
